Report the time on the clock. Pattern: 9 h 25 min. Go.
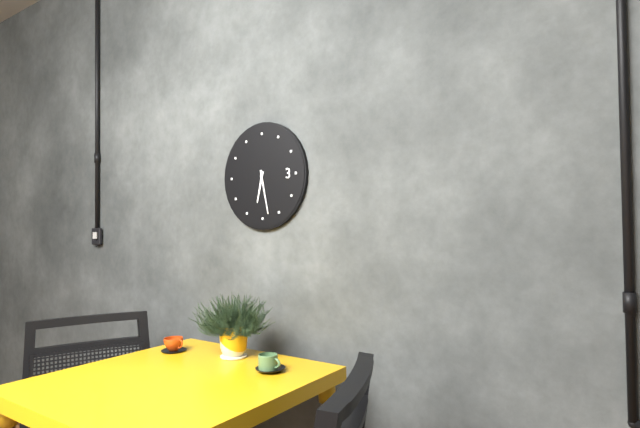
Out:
6 h 28 min
